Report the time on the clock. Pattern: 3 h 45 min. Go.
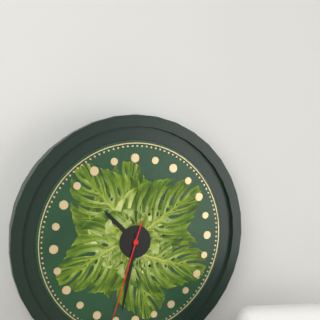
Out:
10 h 32 min
